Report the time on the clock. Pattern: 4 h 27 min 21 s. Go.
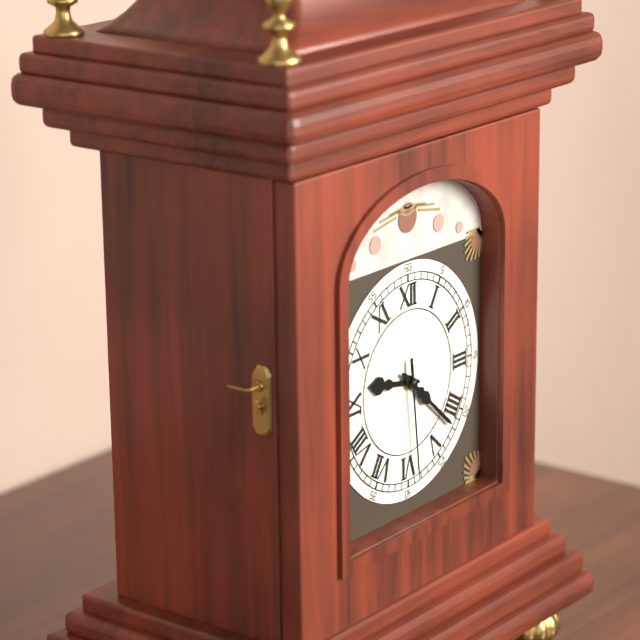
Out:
9 h 22 min 29 s
